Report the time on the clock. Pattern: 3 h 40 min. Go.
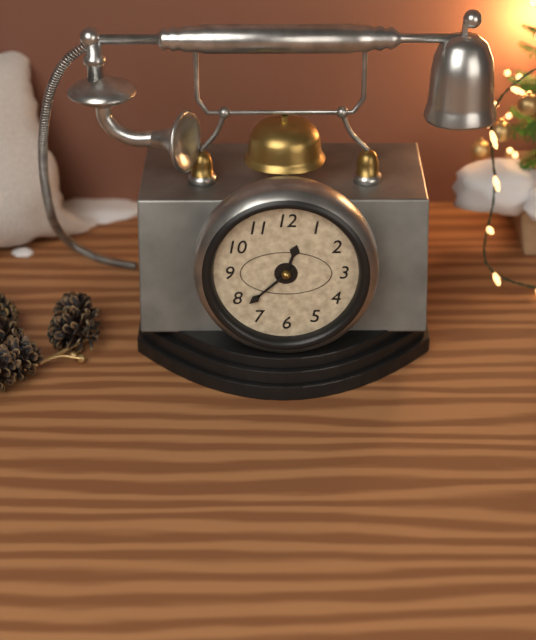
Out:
12 h 38 min
